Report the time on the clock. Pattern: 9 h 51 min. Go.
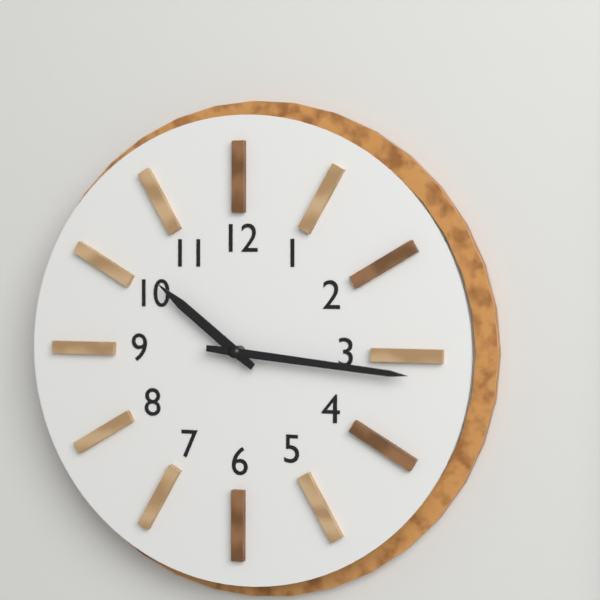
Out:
10 h 16 min
